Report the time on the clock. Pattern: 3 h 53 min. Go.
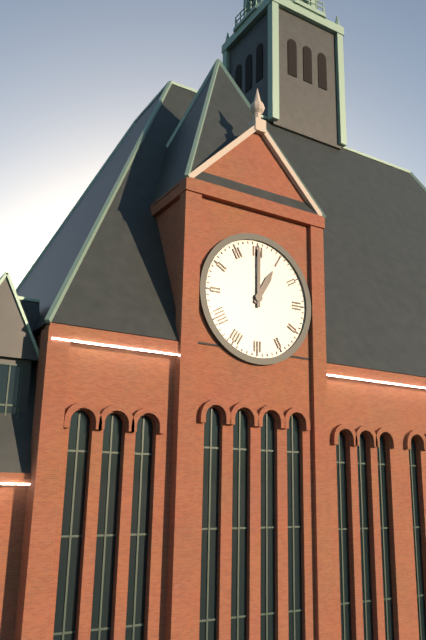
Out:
1 h 00 min
